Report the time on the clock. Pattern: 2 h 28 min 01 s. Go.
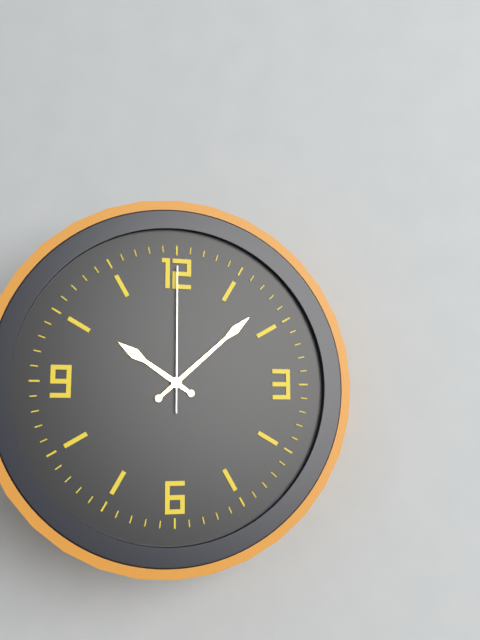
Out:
10 h 08 min 00 s
